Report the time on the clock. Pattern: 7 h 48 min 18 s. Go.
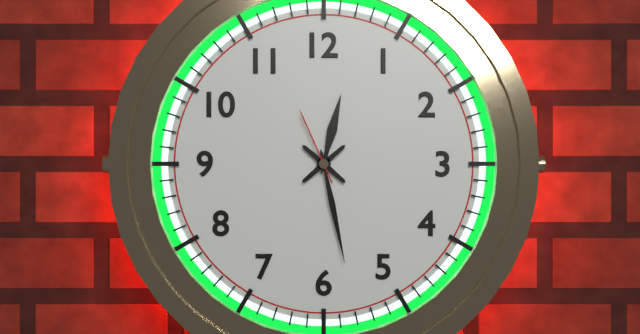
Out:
12 h 28 min 56 s
